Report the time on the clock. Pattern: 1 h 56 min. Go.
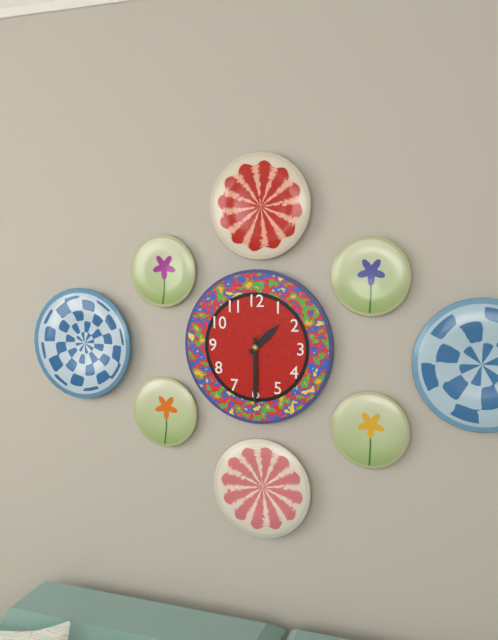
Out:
1 h 30 min
